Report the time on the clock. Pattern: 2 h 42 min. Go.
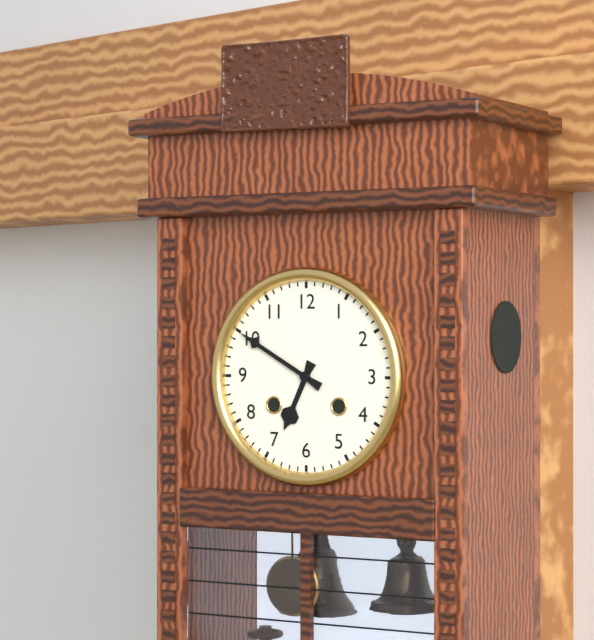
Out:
6 h 50 min
